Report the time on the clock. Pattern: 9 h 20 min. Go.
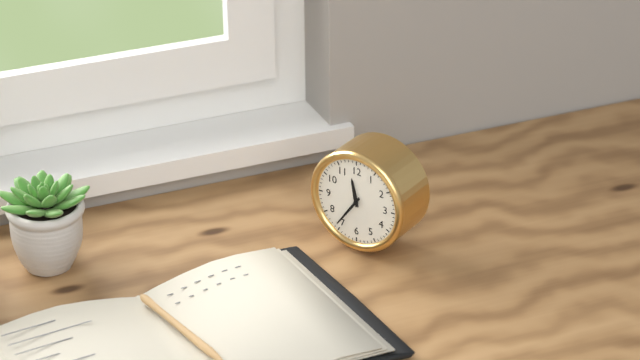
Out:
11 h 36 min
